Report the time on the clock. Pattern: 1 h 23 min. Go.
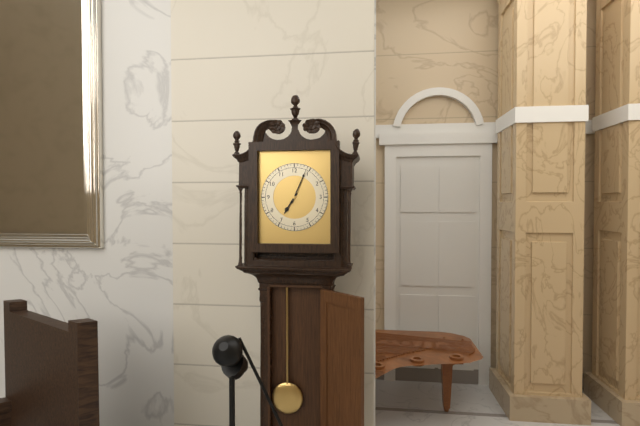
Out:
7 h 04 min
